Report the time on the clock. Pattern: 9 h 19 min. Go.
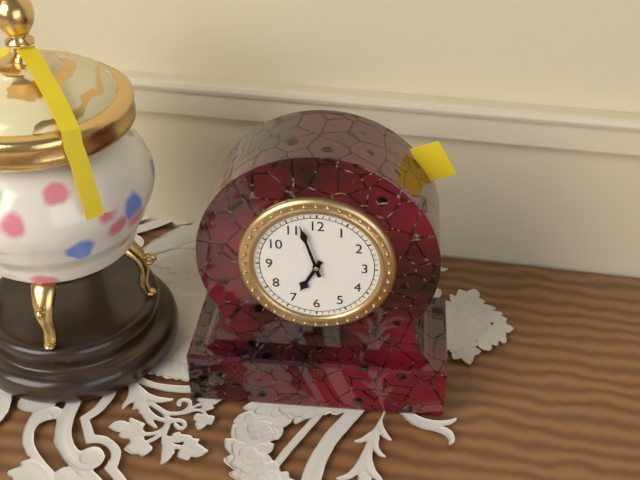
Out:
6 h 57 min
